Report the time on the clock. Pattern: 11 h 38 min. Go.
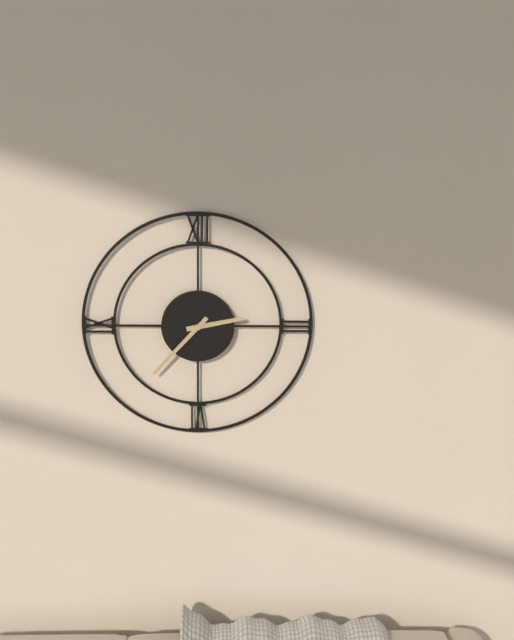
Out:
2 h 37 min
